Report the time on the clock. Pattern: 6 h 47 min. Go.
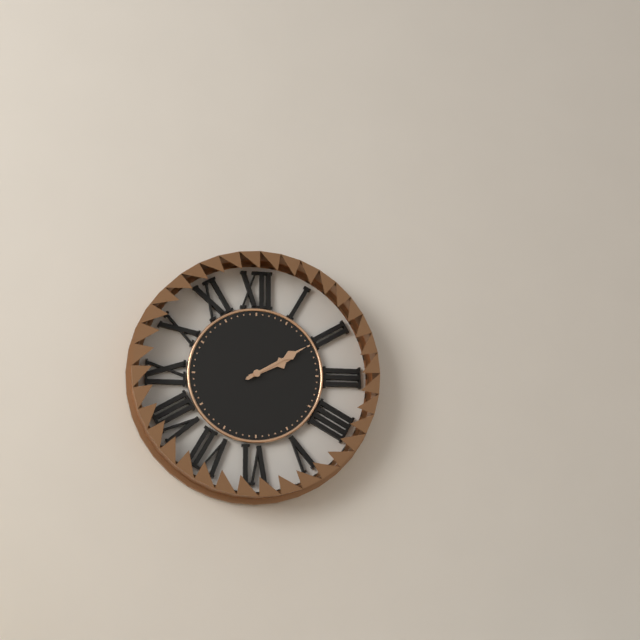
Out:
2 h 10 min
